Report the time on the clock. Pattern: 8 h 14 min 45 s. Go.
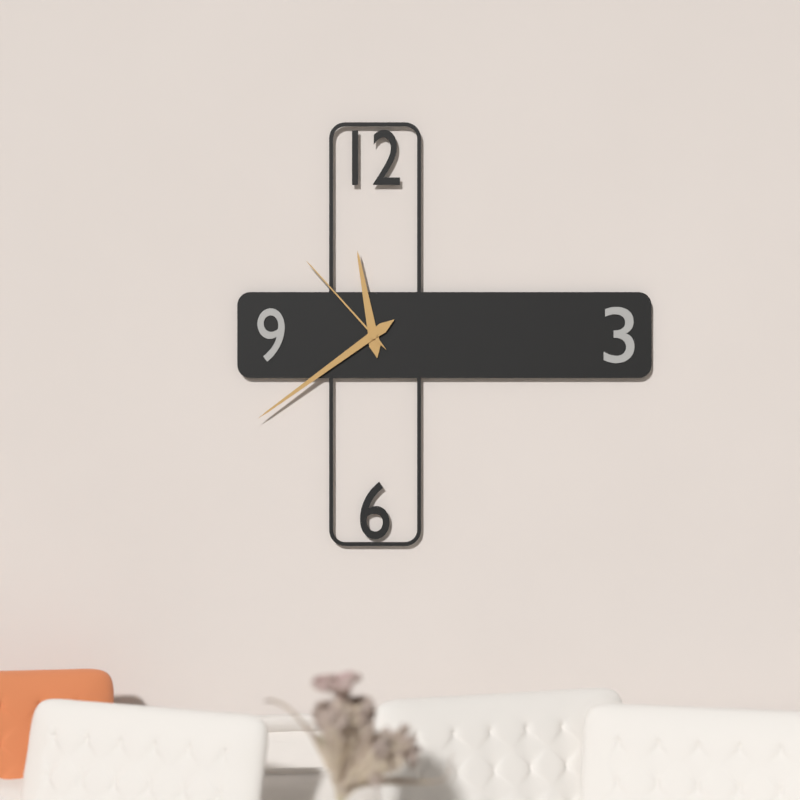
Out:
11 h 39 min 53 s
